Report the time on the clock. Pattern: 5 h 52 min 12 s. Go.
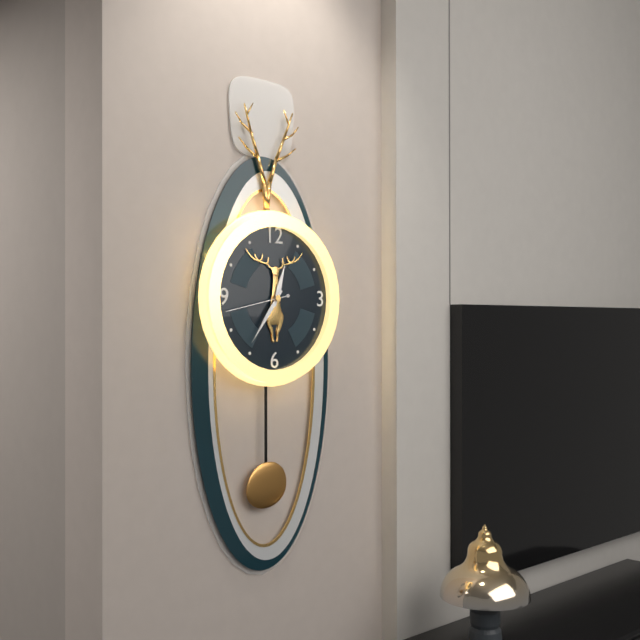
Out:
12 h 36 min 43 s
